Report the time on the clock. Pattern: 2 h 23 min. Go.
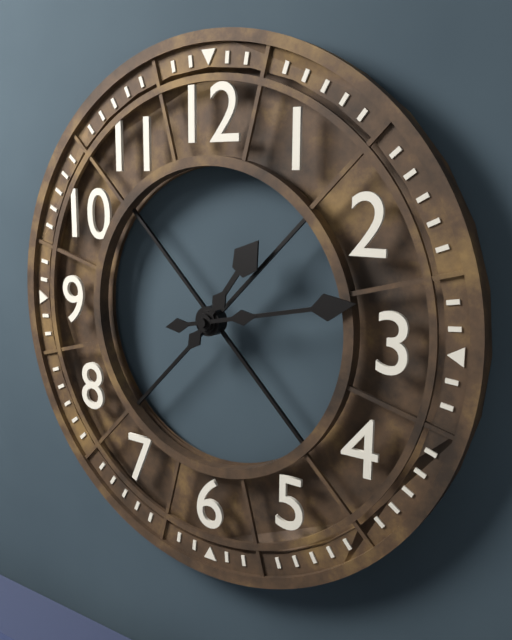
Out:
1 h 13 min
